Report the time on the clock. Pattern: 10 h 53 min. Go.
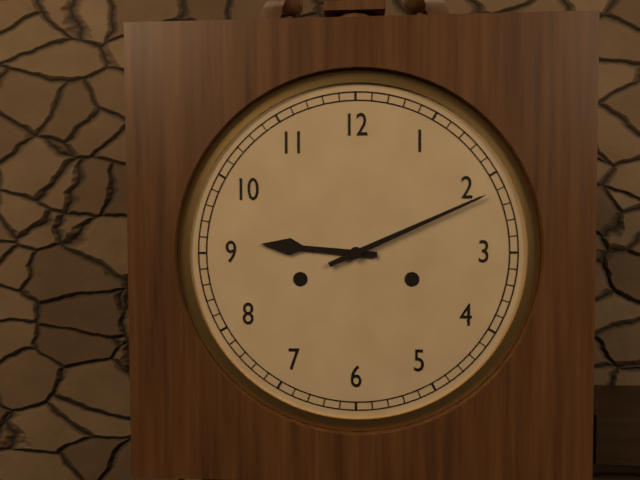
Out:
9 h 11 min
